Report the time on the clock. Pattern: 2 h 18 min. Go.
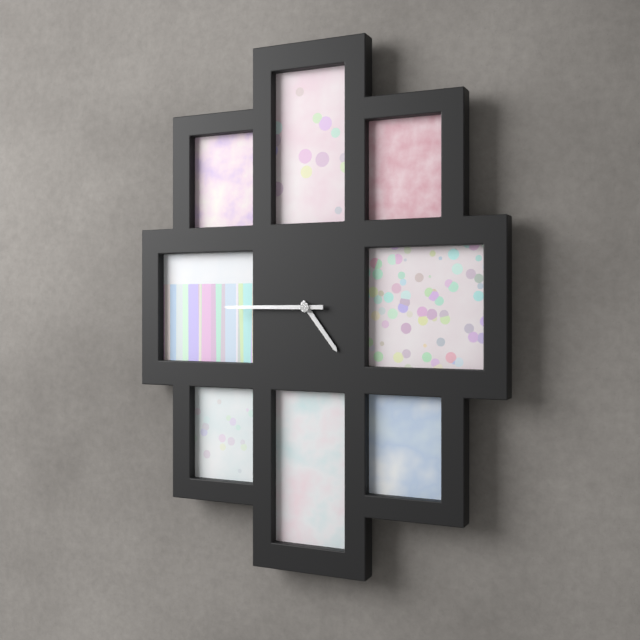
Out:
4 h 45 min
